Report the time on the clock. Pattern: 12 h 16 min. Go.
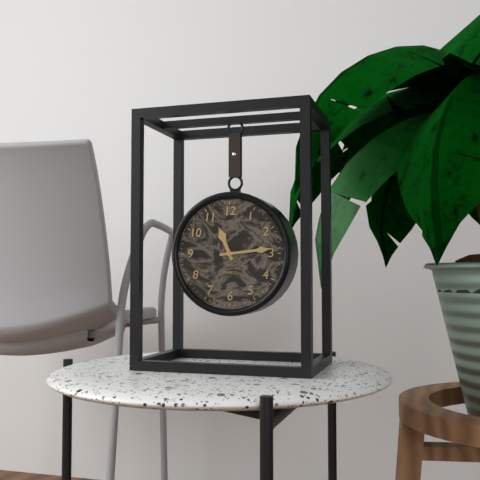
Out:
11 h 14 min
